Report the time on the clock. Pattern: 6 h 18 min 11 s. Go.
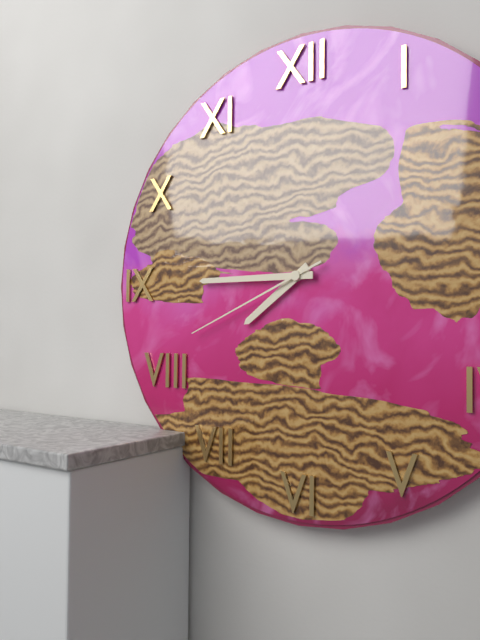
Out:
7 h 45 min 41 s
